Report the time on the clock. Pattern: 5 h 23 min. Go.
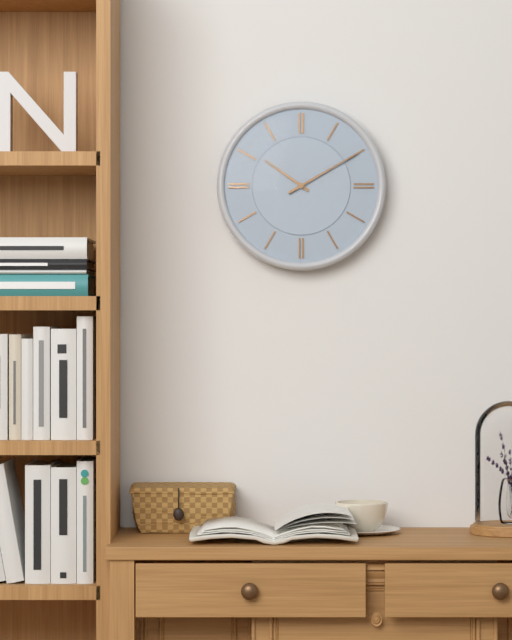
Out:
10 h 10 min
